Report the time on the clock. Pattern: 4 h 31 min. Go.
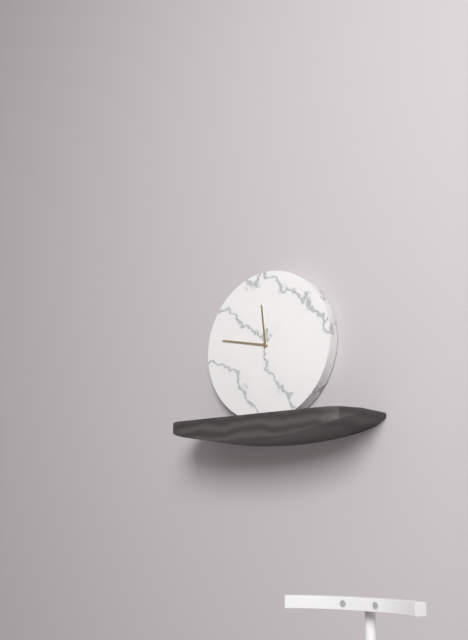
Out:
11 h 47 min
